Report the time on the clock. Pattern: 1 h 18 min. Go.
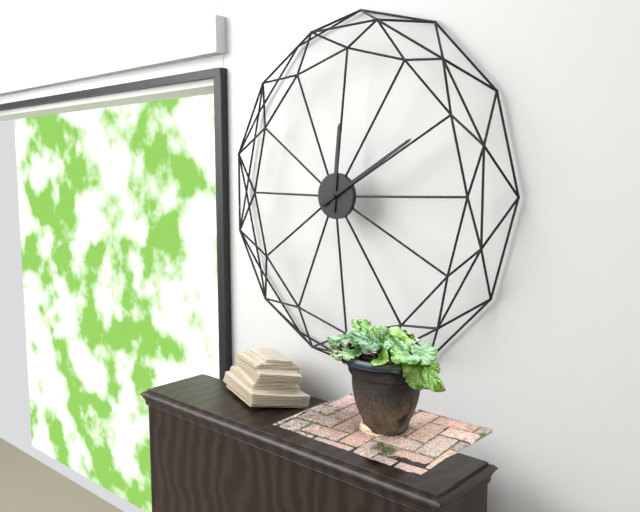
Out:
12 h 10 min
